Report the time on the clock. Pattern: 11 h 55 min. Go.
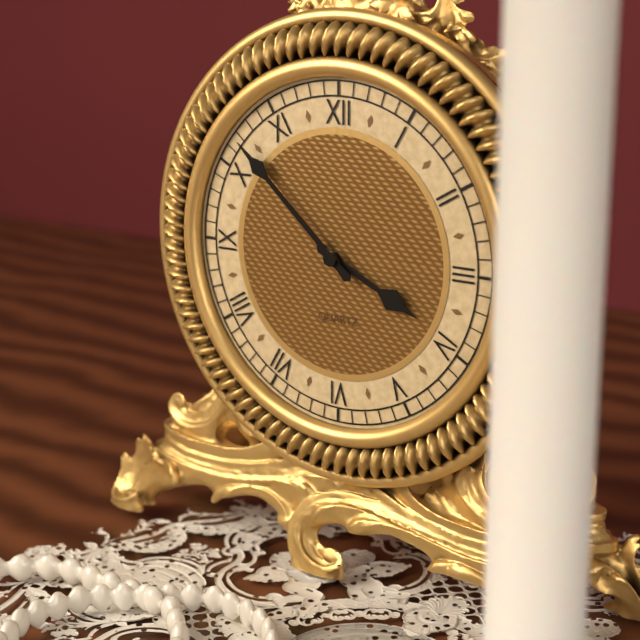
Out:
3 h 52 min
